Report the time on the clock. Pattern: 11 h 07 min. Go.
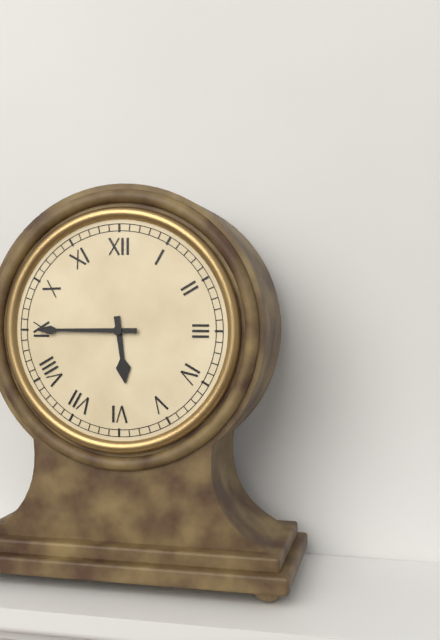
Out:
5 h 45 min
